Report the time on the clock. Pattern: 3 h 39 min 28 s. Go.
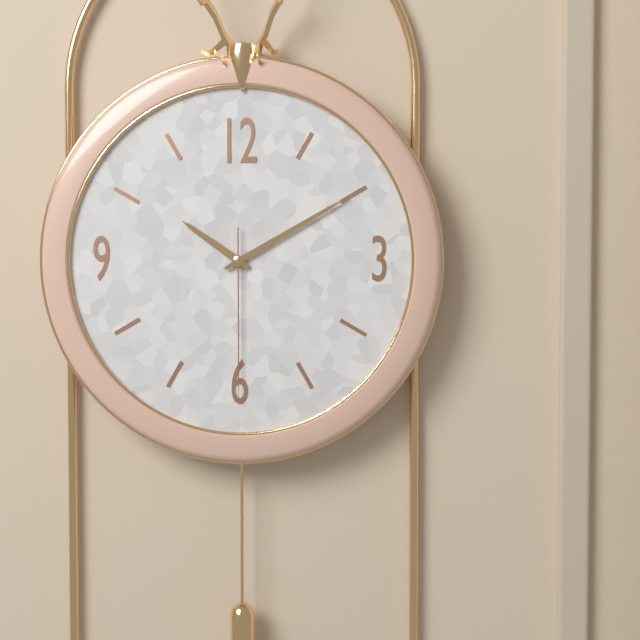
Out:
10 h 10 min 30 s
